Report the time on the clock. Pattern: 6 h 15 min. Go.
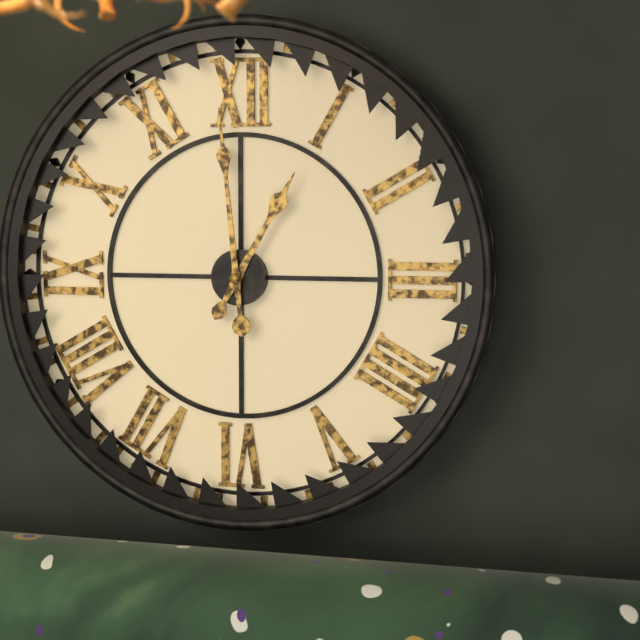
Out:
12 h 59 min
